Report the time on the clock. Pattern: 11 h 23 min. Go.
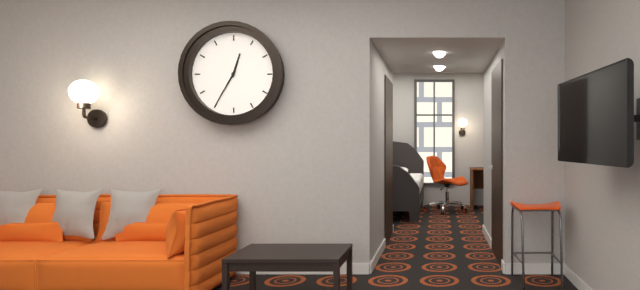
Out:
12 h 35 min
